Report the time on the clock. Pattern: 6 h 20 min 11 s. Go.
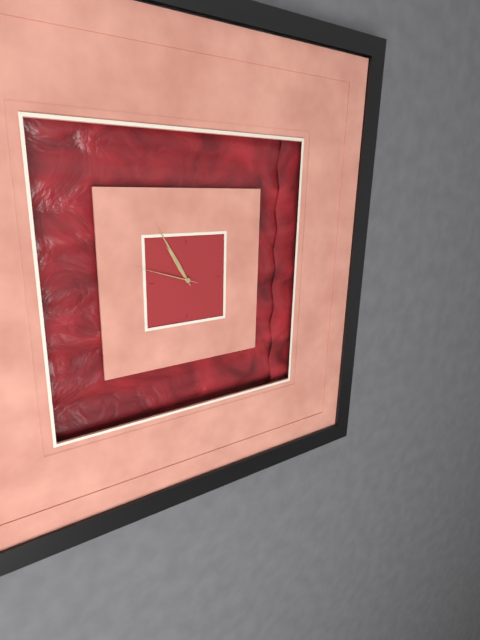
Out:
10 h 55 min 48 s
